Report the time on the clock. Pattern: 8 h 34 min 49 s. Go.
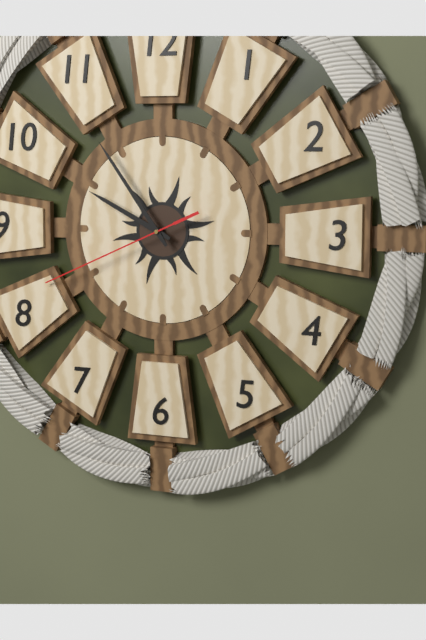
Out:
9 h 54 min 41 s
